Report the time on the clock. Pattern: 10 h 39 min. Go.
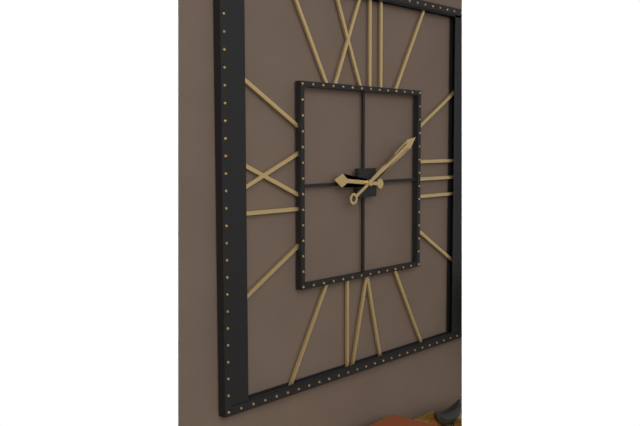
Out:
9 h 10 min
